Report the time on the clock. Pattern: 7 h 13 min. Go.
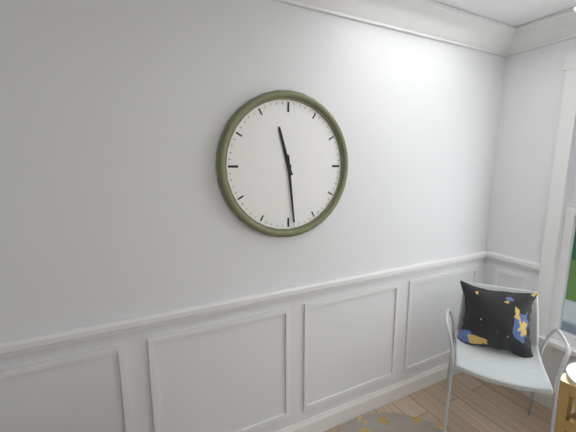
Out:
11 h 29 min
